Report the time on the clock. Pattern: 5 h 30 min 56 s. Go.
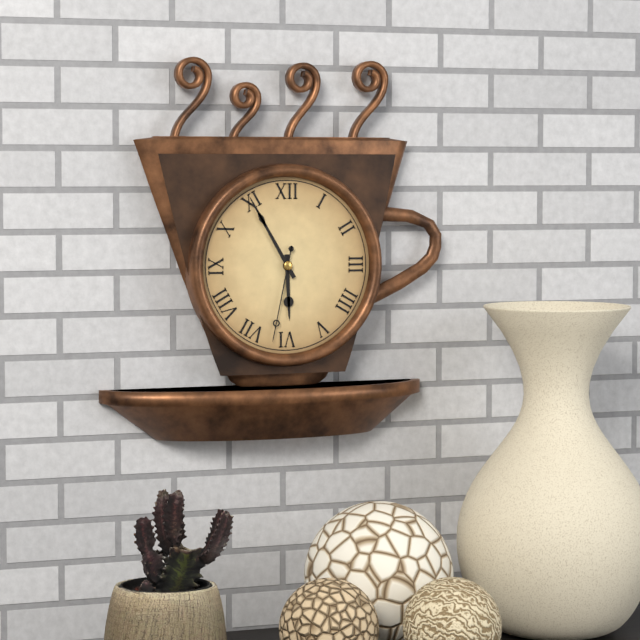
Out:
5 h 55 min 32 s
